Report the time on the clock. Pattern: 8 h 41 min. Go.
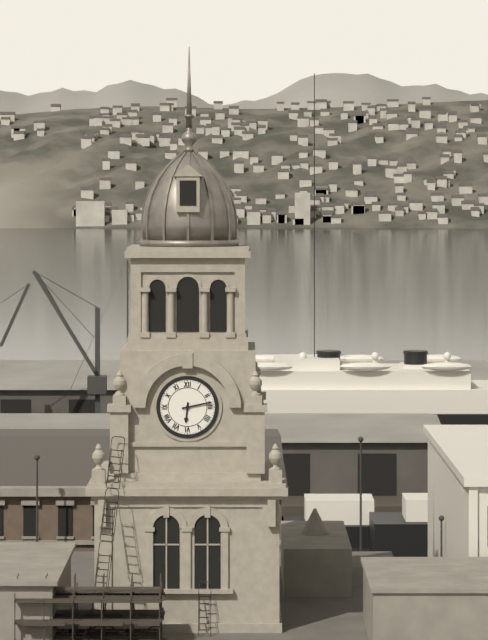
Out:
6 h 13 min
